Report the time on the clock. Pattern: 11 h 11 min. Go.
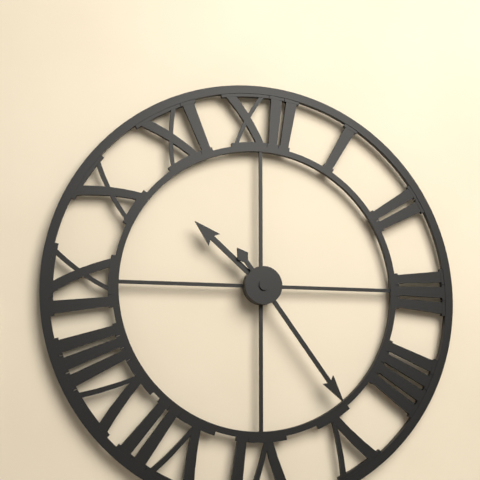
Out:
10 h 24 min
